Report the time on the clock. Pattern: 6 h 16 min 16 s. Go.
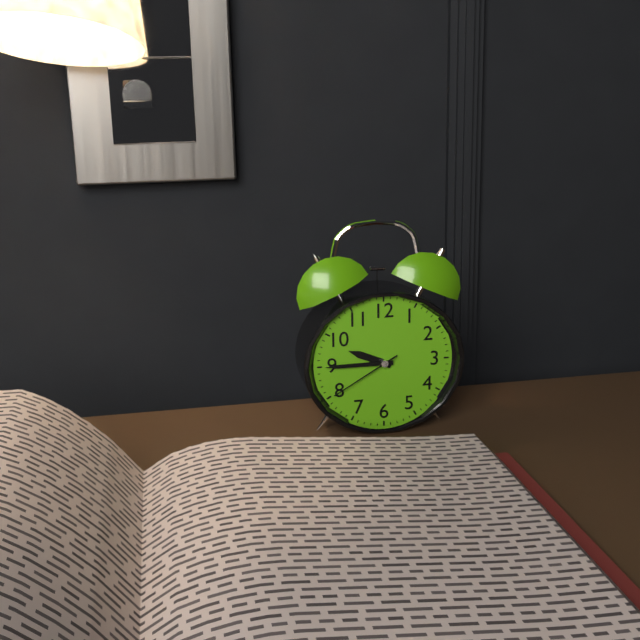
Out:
9 h 45 min 40 s
